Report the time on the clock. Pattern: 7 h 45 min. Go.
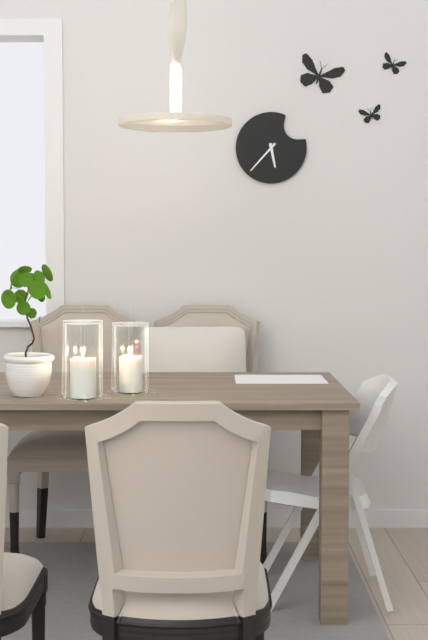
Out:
5 h 37 min
